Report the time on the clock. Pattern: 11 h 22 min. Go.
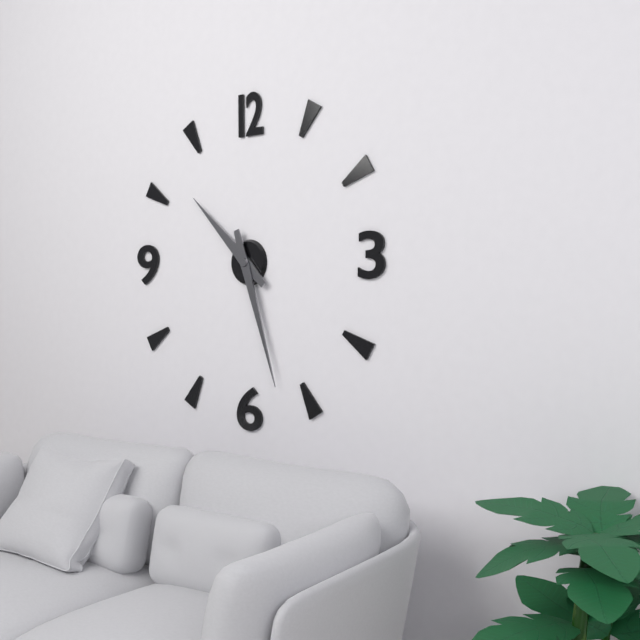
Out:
10 h 27 min
